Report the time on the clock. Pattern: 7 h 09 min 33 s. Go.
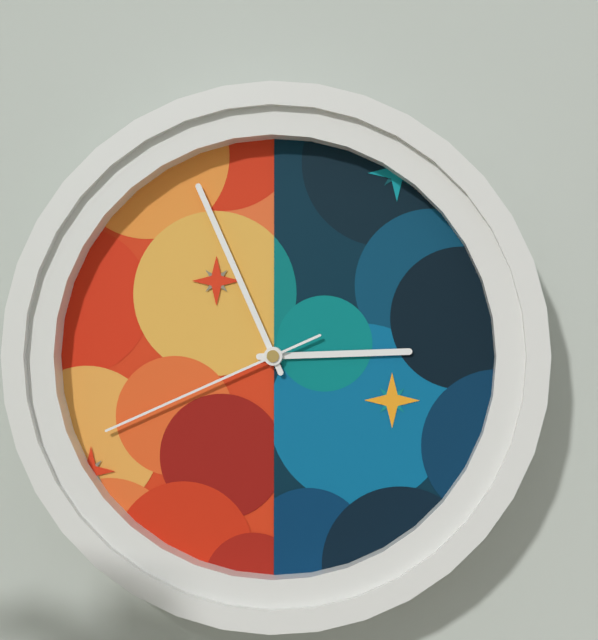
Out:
2 h 56 min 41 s
